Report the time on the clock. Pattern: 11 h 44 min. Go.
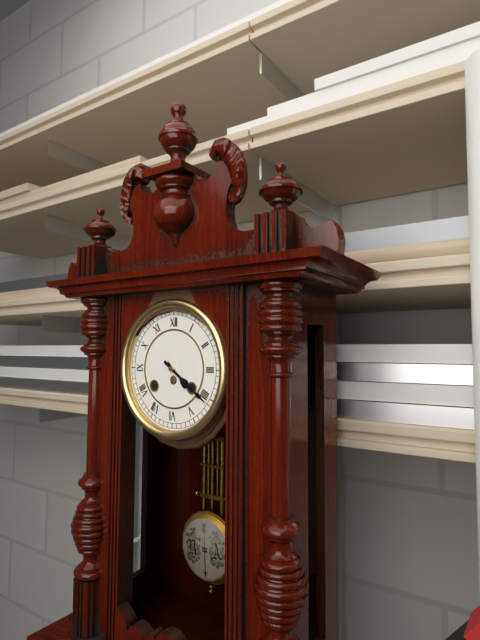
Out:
4 h 21 min
